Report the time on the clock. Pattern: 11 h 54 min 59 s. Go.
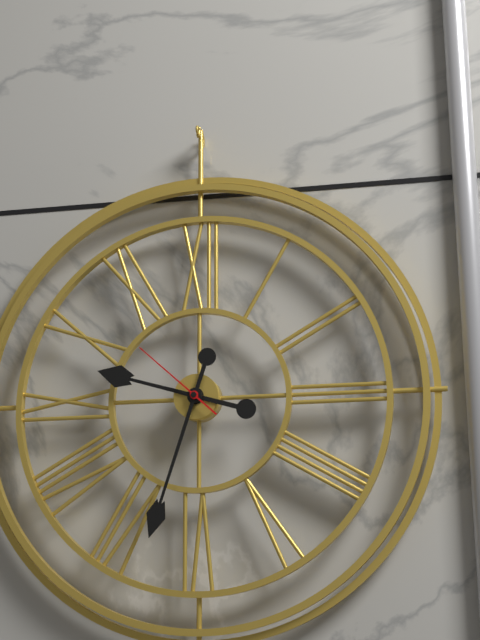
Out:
9 h 33 min 52 s
